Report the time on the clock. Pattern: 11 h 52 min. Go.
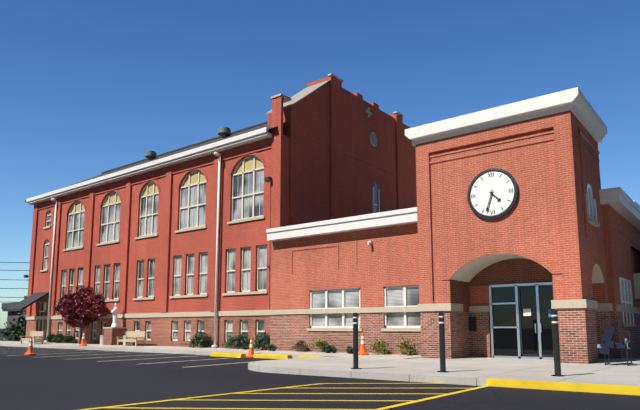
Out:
4 h 33 min
